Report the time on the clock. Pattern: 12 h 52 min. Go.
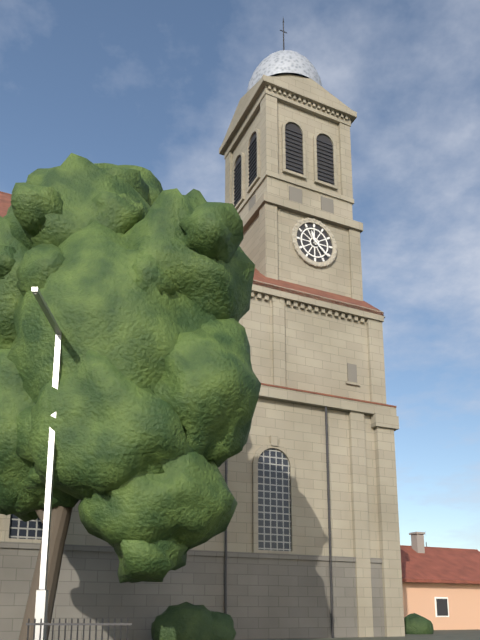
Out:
11 h 22 min
